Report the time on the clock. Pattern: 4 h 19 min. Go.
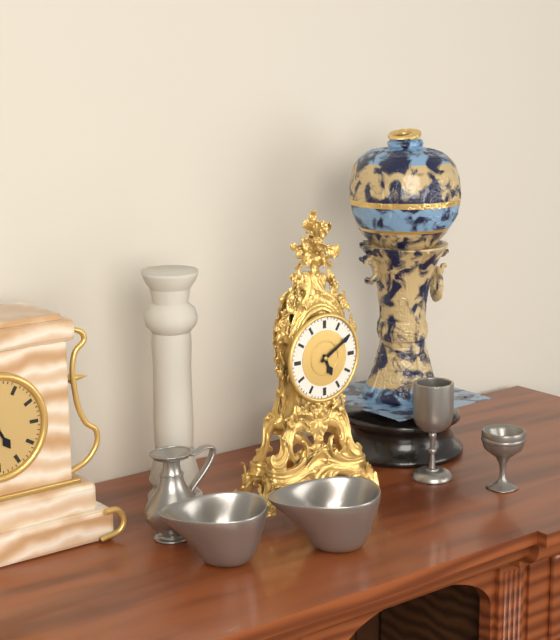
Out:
5 h 10 min
